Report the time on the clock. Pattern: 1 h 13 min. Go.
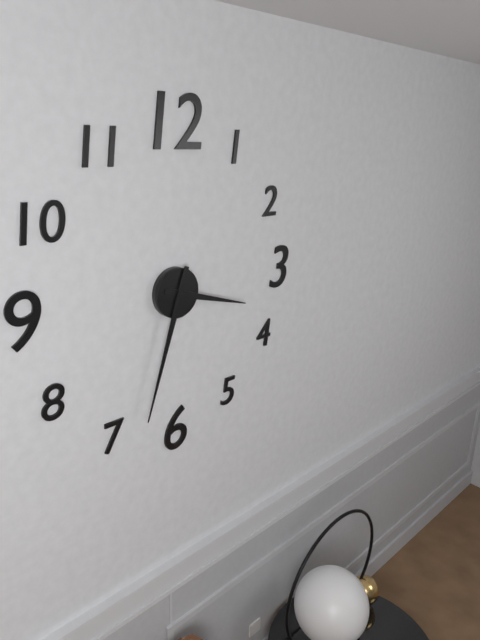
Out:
3 h 33 min
